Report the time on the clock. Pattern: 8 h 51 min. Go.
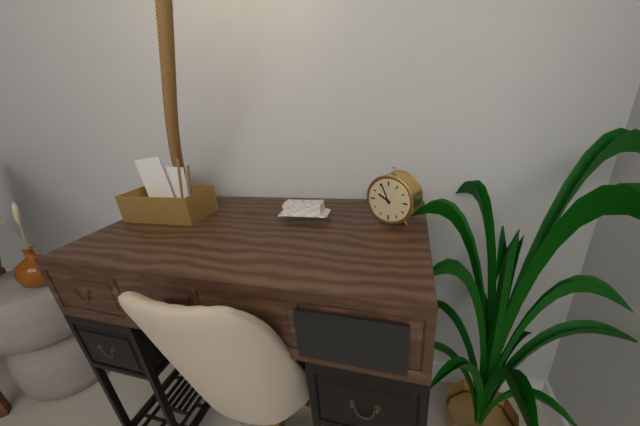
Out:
9 h 56 min
